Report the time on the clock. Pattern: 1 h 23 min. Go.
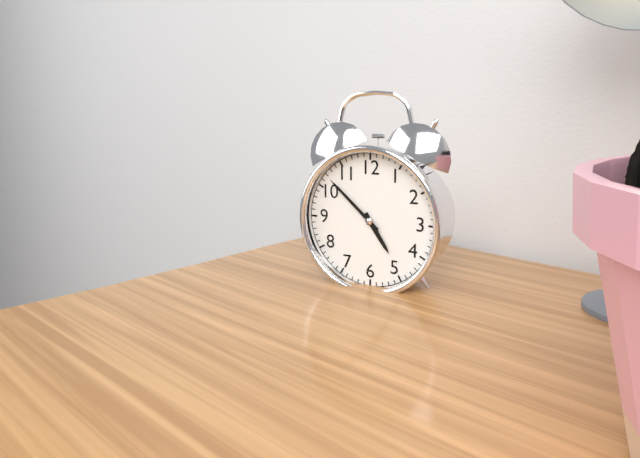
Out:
4 h 52 min
